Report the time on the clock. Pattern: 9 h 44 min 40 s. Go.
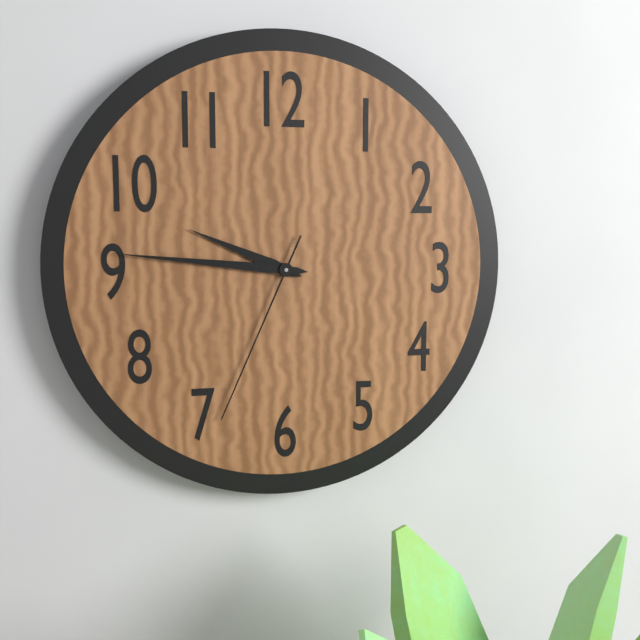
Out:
9 h 46 min 34 s
